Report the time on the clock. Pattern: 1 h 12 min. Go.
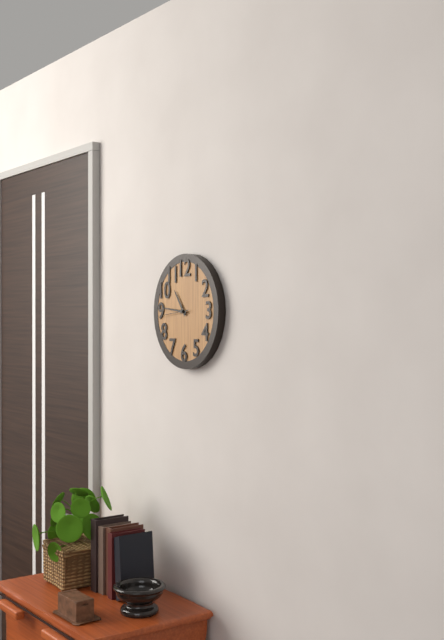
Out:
10 h 46 min
